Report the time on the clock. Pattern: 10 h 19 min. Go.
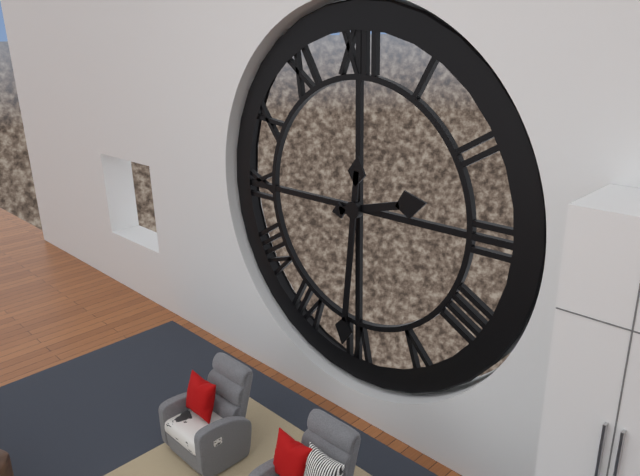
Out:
2 h 31 min
